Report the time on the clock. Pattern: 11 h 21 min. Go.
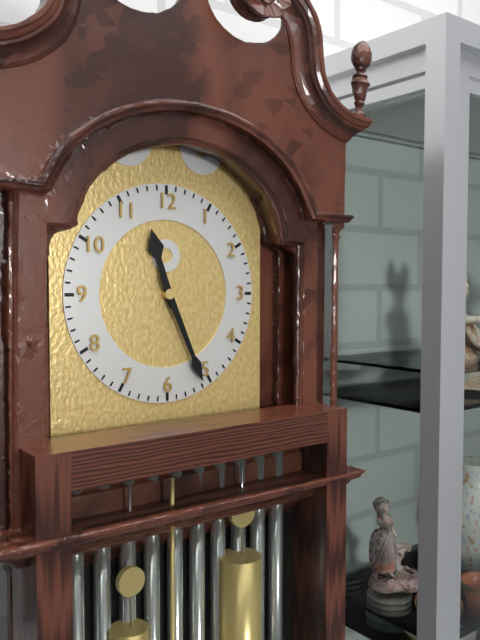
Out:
11 h 26 min
